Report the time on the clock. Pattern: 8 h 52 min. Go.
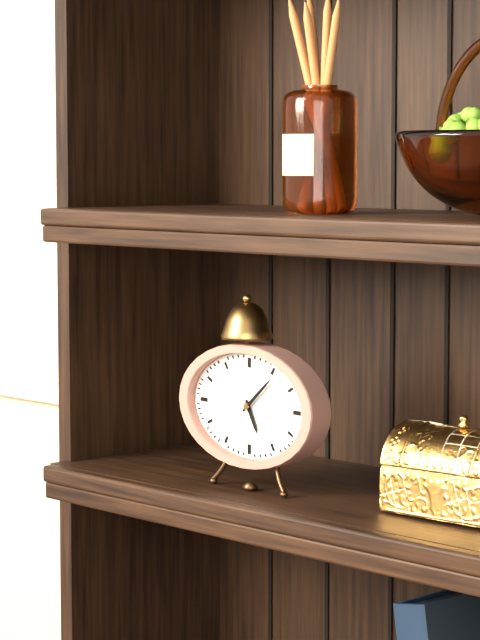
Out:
5 h 08 min
